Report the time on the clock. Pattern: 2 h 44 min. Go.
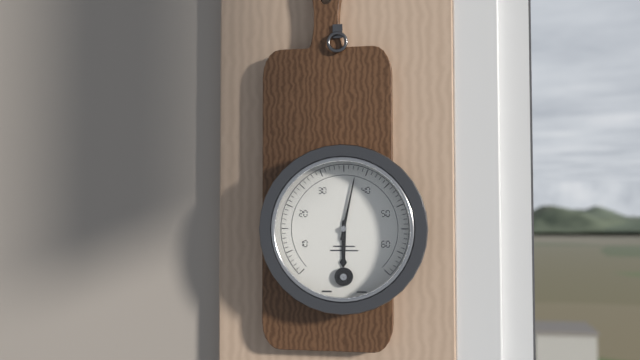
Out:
6 h 02 min
